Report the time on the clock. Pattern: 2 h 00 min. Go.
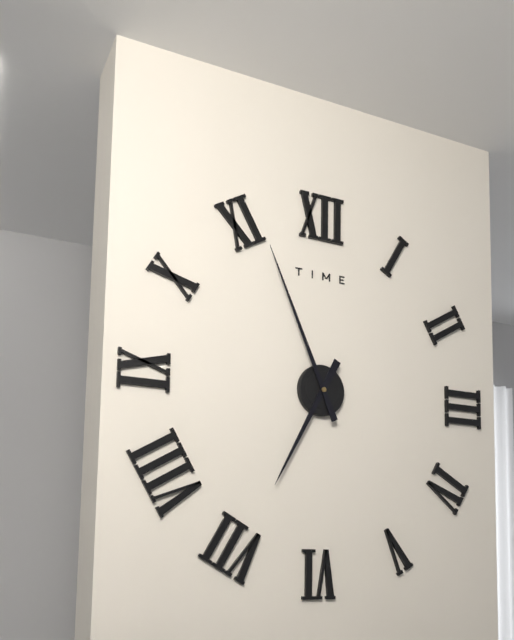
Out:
6 h 56 min
